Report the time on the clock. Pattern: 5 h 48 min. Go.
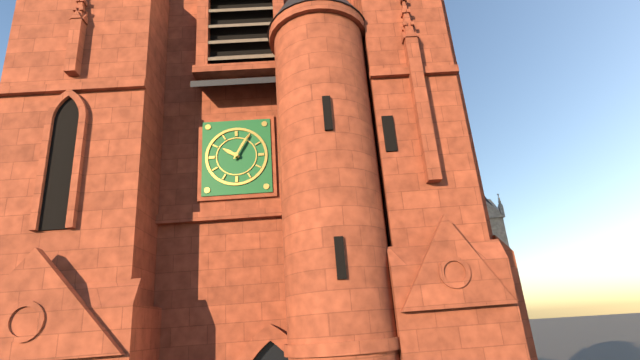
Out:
10 h 05 min
